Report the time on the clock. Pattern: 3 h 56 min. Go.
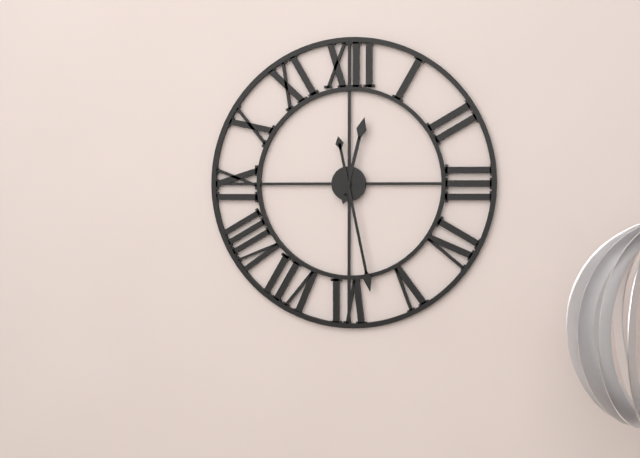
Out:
12 h 28 min
